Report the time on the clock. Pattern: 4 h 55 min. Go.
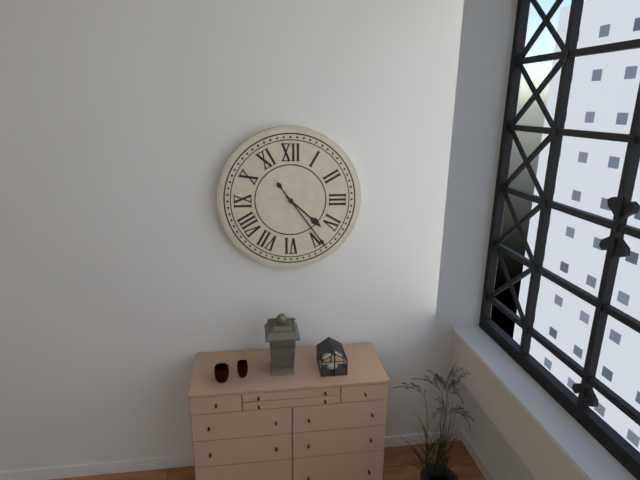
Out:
4 h 24 min
